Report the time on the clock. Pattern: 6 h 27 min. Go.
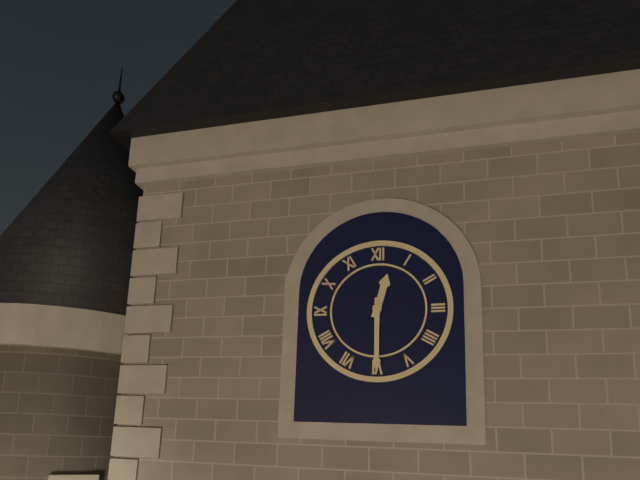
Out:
12 h 30 min
